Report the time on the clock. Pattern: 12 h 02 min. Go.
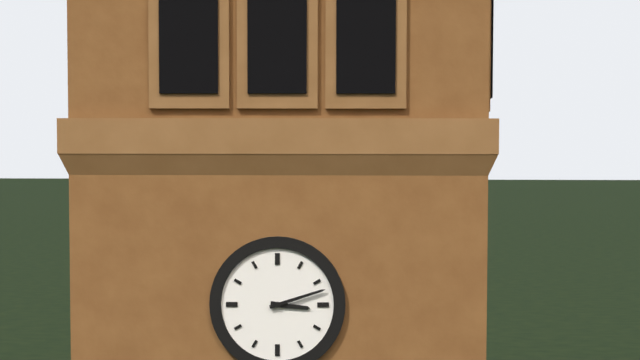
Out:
3 h 12 min
